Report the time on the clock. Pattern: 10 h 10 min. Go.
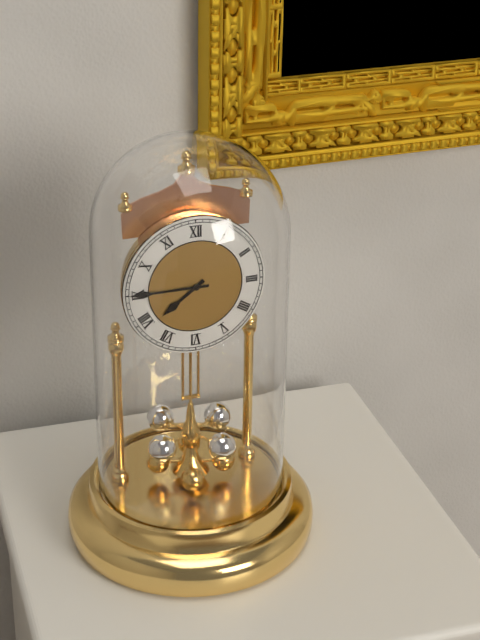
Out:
7 h 45 min
